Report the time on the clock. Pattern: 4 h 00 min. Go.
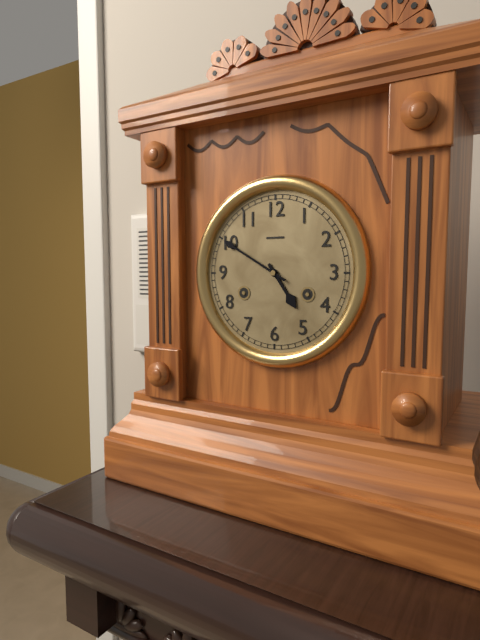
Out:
4 h 50 min
